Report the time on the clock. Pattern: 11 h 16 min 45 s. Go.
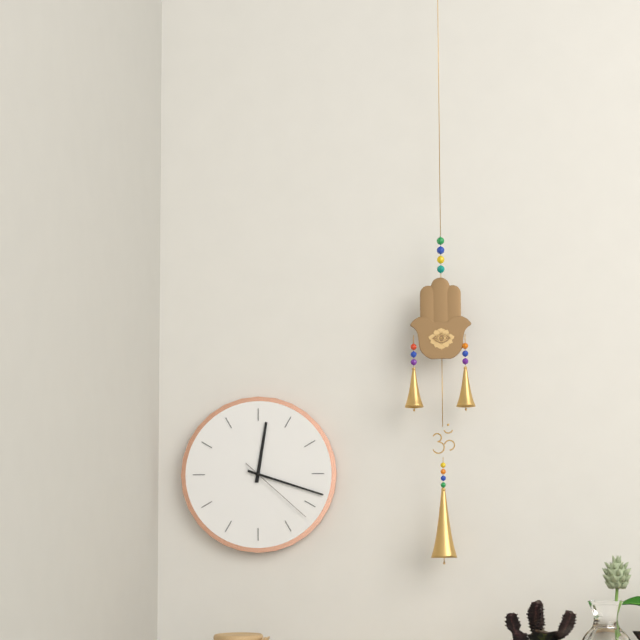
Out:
12 h 18 min 22 s
